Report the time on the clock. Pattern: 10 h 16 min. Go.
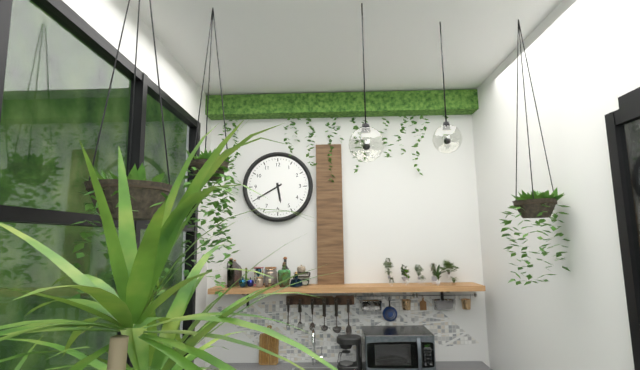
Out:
5 h 40 min
